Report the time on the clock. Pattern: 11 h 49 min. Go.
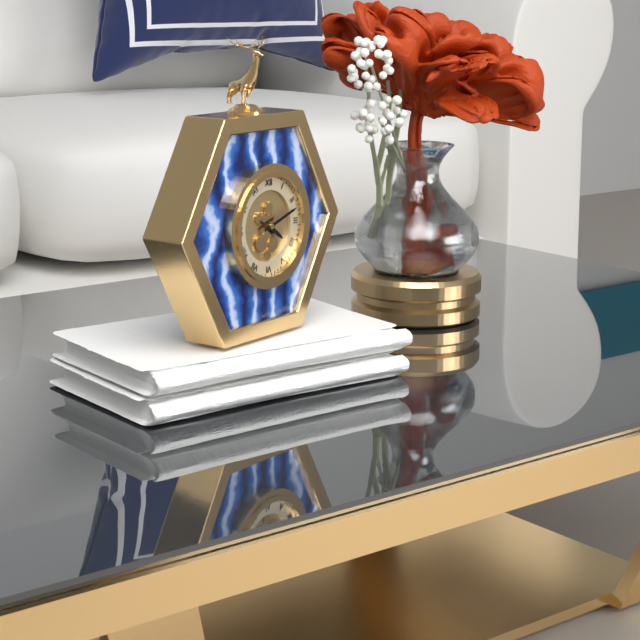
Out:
4 h 12 min
